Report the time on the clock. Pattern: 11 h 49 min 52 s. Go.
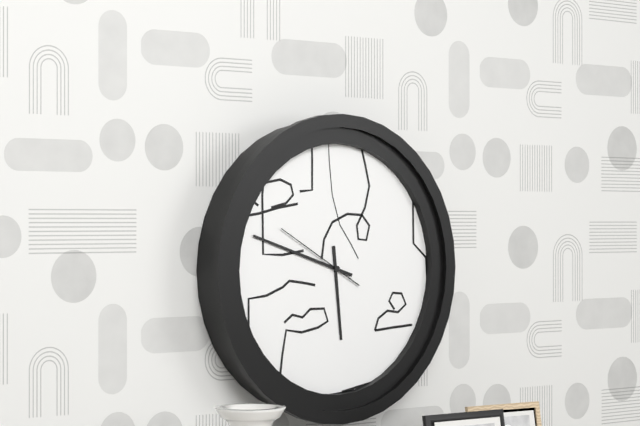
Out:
5 h 48 min 50 s
